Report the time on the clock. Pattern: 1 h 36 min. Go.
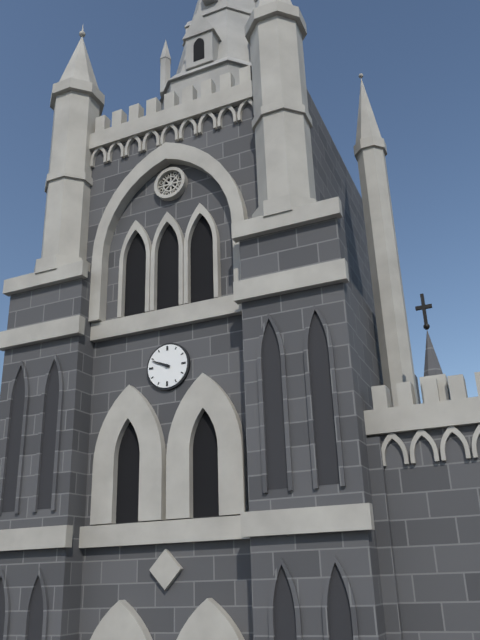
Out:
9 h 49 min
